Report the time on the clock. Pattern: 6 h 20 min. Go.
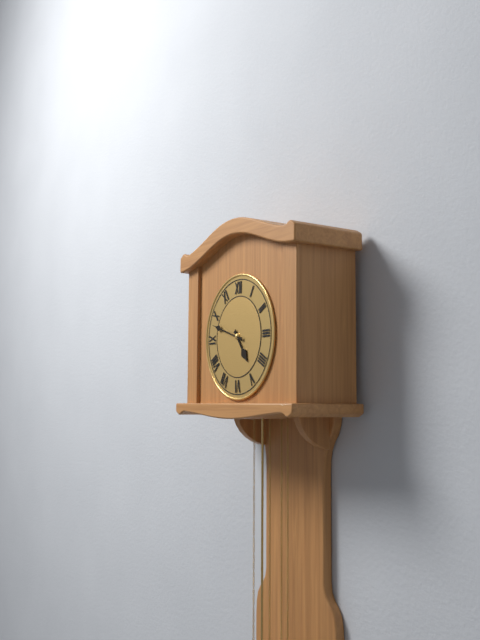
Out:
4 h 48 min
